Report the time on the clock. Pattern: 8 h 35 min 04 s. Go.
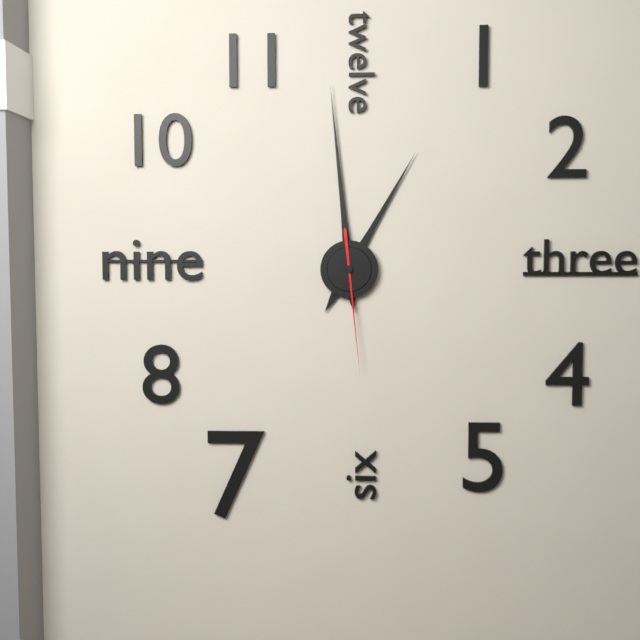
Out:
12 h 59 min 29 s
